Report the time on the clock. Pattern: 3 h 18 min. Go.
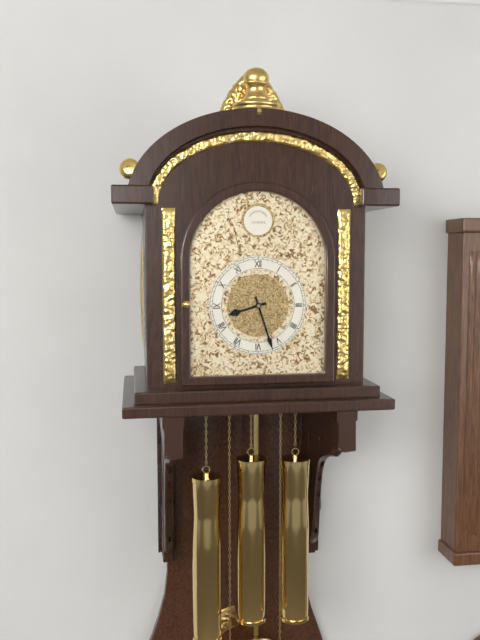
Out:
8 h 27 min
